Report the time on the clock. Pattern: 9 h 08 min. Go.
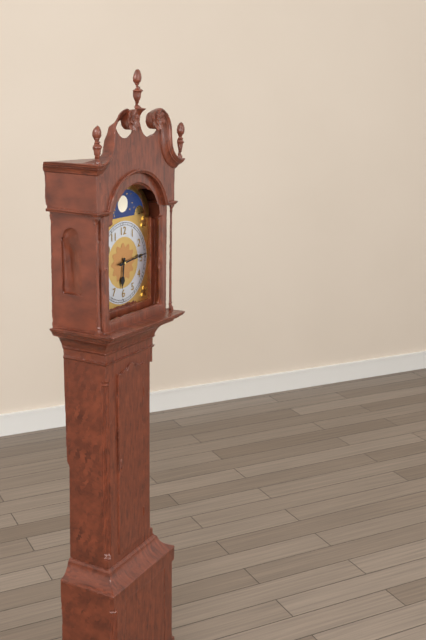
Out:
6 h 14 min
